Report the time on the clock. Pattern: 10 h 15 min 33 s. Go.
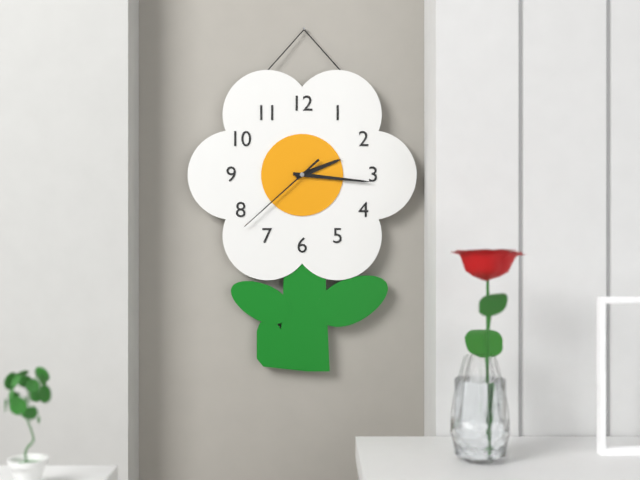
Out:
2 h 16 min 38 s
